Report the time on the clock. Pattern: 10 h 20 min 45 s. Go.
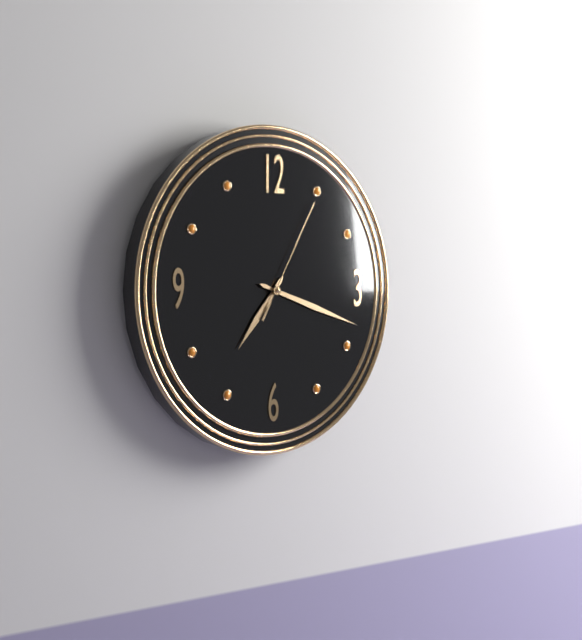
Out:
7 h 18 min 05 s
